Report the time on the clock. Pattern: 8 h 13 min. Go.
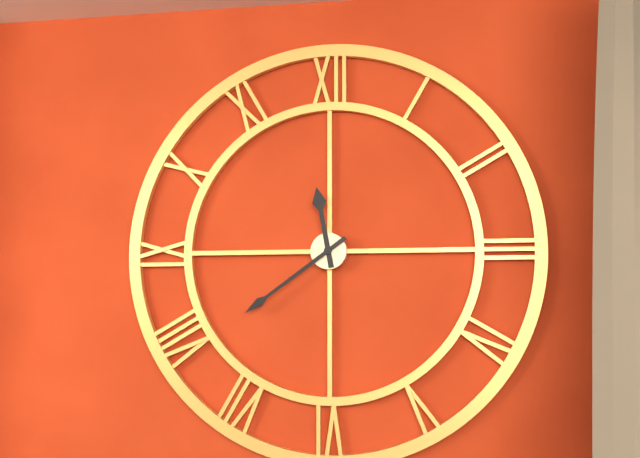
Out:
11 h 39 min
